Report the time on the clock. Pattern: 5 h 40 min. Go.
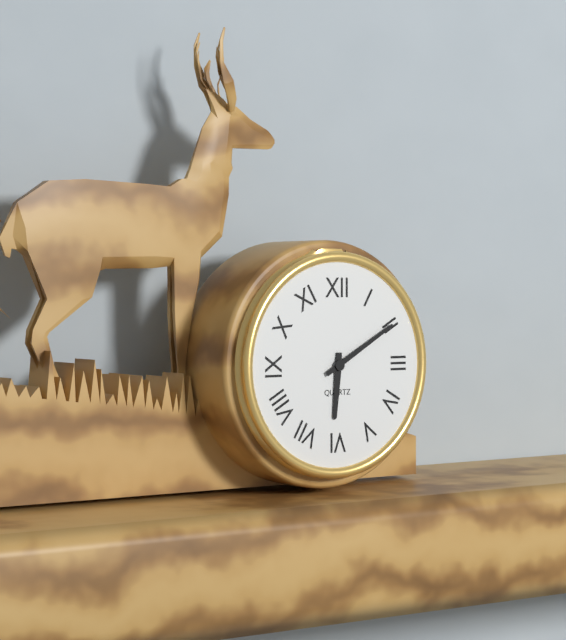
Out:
6 h 10 min
